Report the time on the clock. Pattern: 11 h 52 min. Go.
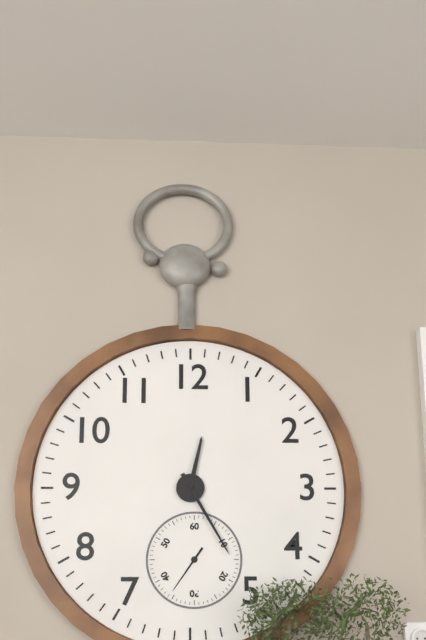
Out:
12 h 25 min
